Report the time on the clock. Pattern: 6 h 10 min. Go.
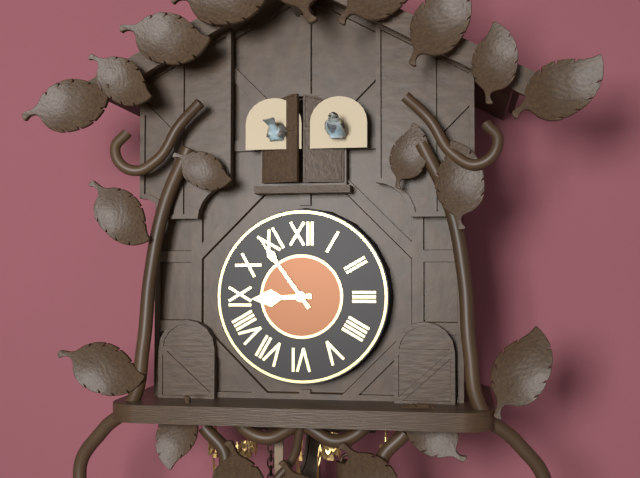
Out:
8 h 54 min
